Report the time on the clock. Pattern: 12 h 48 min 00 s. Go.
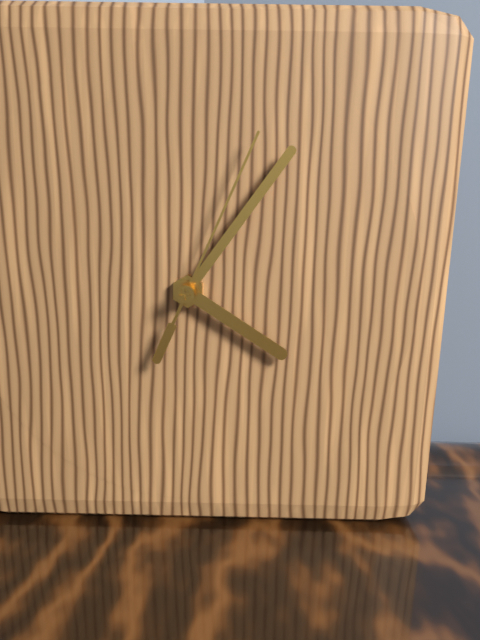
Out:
4 h 06 min 04 s
